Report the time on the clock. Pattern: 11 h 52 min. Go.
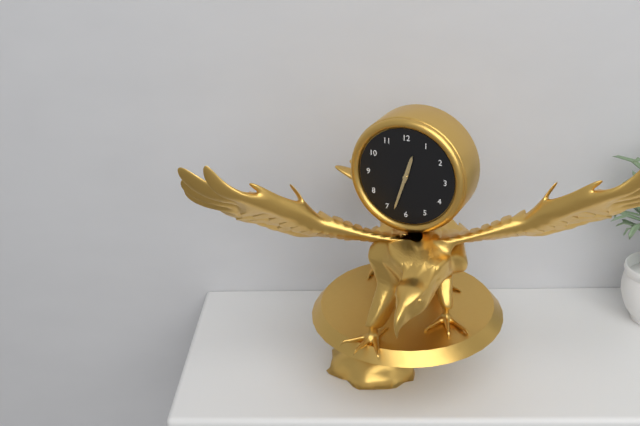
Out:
12 h 33 min
